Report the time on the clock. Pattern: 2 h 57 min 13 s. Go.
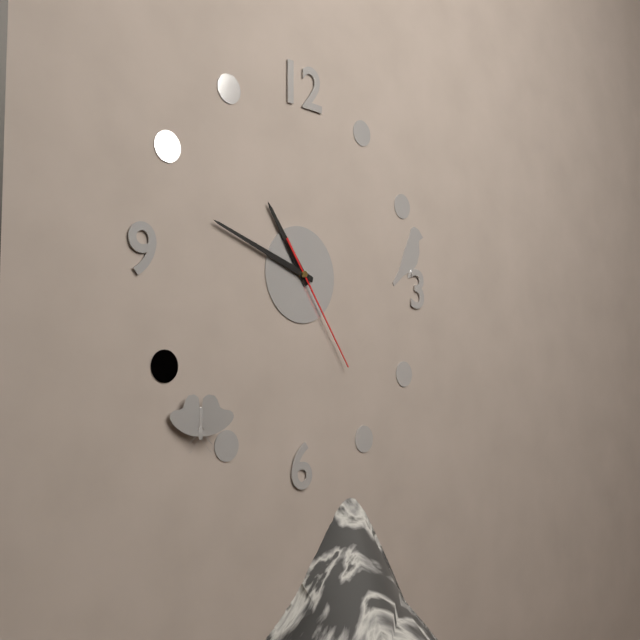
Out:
10 h 48 min 24 s
